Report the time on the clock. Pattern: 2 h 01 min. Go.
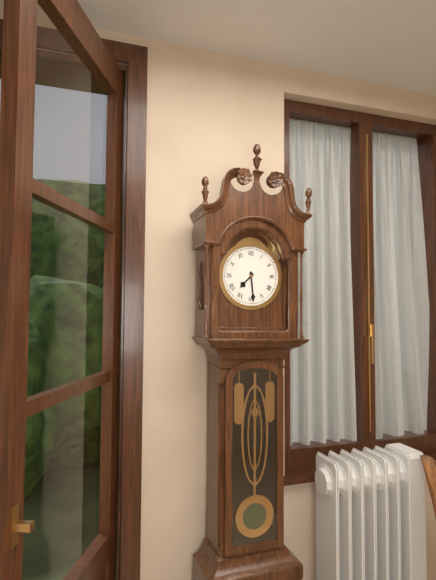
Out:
7 h 29 min
